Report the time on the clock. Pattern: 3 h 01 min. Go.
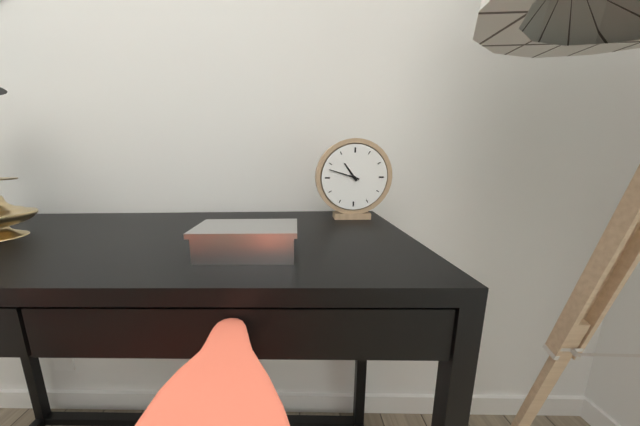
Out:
10 h 48 min
